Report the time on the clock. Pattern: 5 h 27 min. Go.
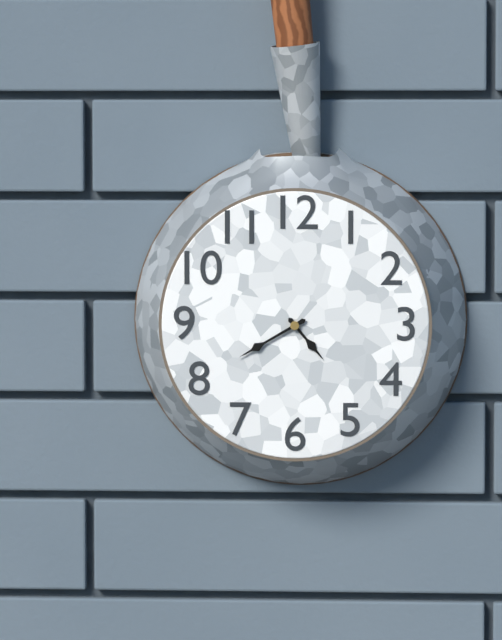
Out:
4 h 40 min
